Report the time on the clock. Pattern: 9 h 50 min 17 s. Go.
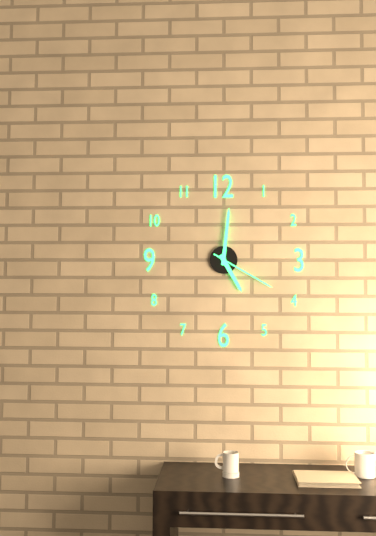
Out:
5 h 01 min 20 s
